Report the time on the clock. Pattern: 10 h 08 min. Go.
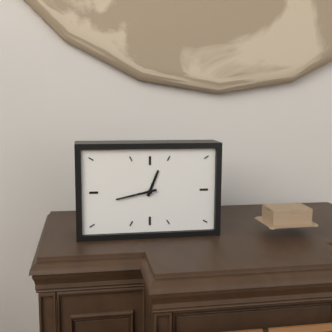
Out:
12 h 43 min
